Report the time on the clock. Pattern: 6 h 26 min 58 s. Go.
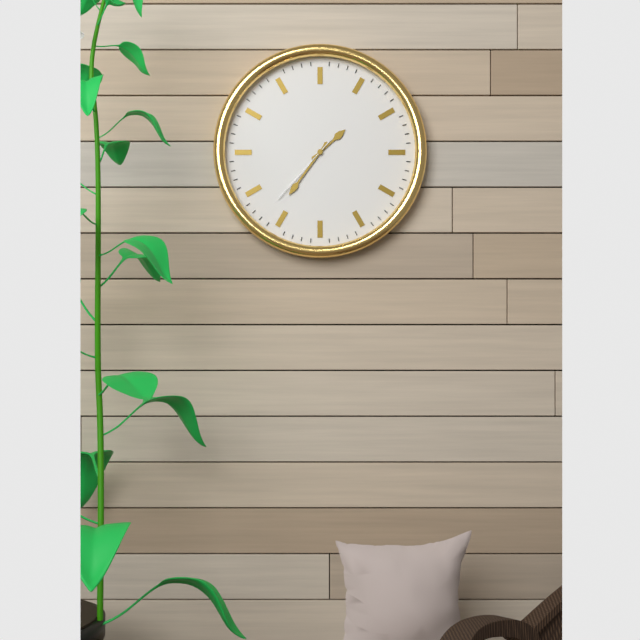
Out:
1 h 36 min 37 s
